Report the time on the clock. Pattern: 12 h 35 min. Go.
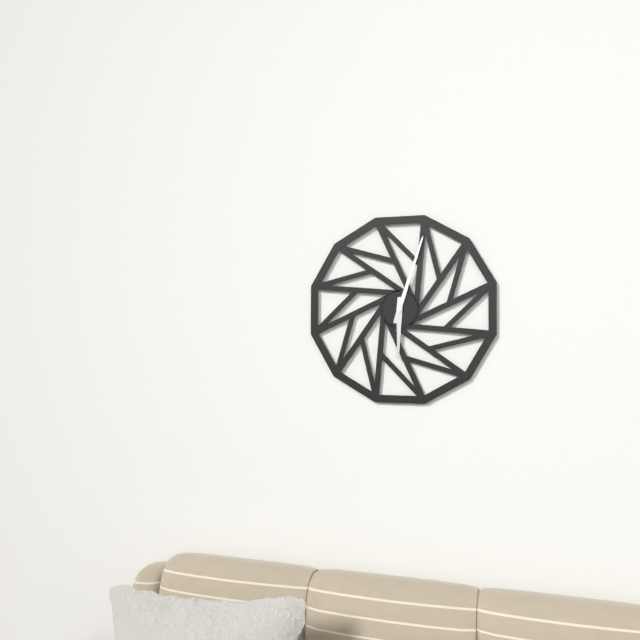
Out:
6 h 03 min
